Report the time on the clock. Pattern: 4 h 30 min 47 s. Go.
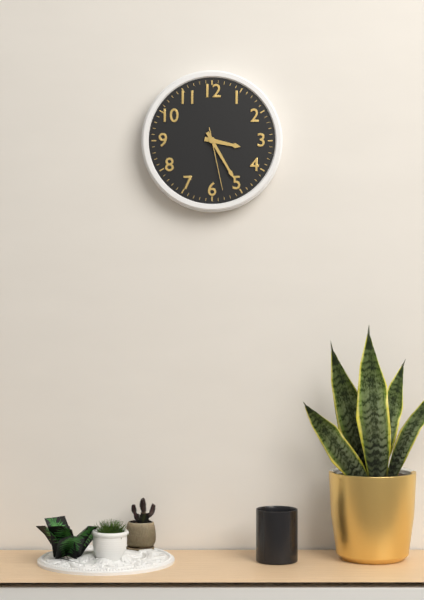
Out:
3 h 25 min 28 s
